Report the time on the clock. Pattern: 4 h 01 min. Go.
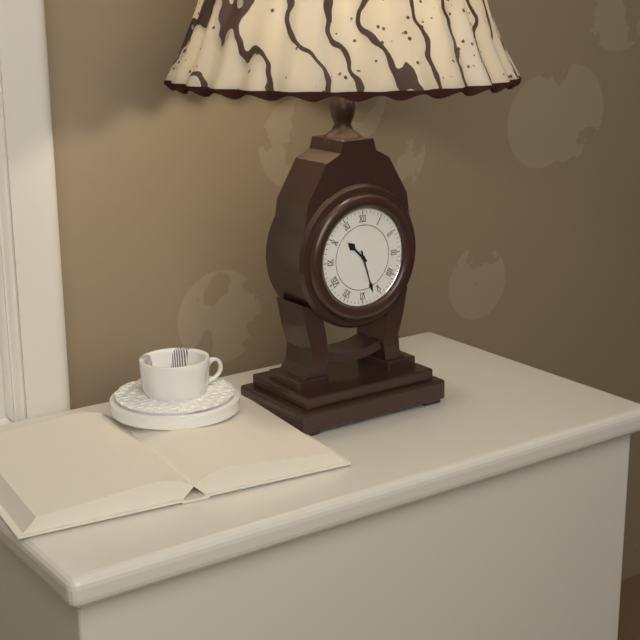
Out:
10 h 27 min
